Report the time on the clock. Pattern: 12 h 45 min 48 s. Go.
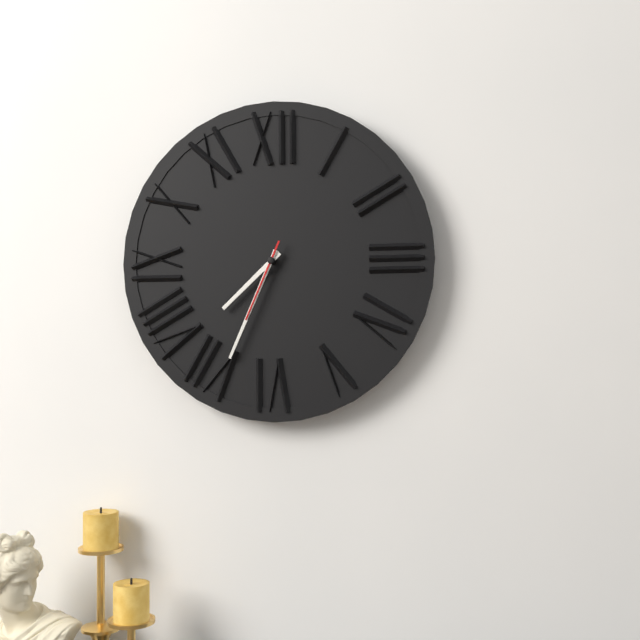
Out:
7 h 34 min 34 s
